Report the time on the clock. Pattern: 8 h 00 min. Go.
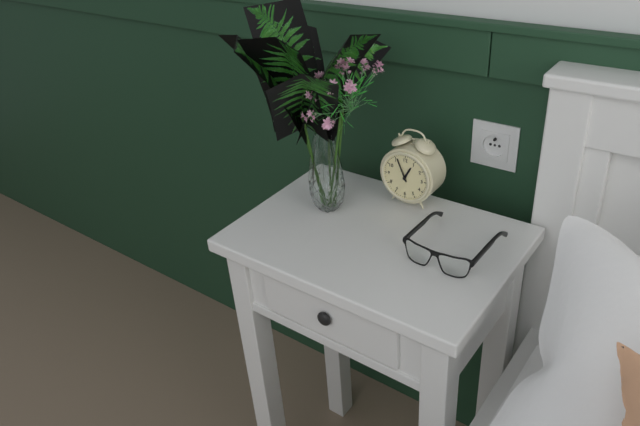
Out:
12 h 56 min
